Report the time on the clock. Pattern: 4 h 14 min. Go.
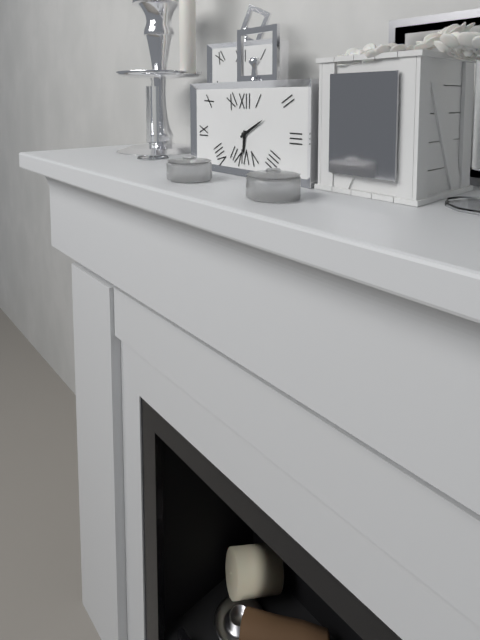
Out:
6 h 10 min
